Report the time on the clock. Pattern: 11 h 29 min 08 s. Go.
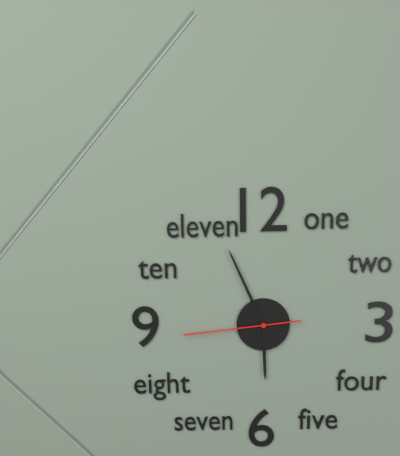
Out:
5 h 56 min 44 s
